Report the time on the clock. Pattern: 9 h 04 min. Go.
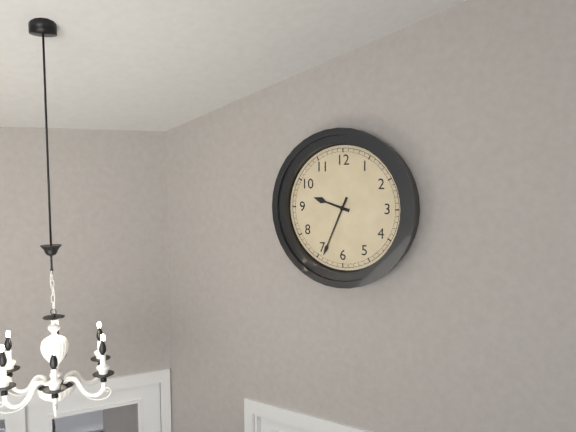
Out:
9 h 34 min
